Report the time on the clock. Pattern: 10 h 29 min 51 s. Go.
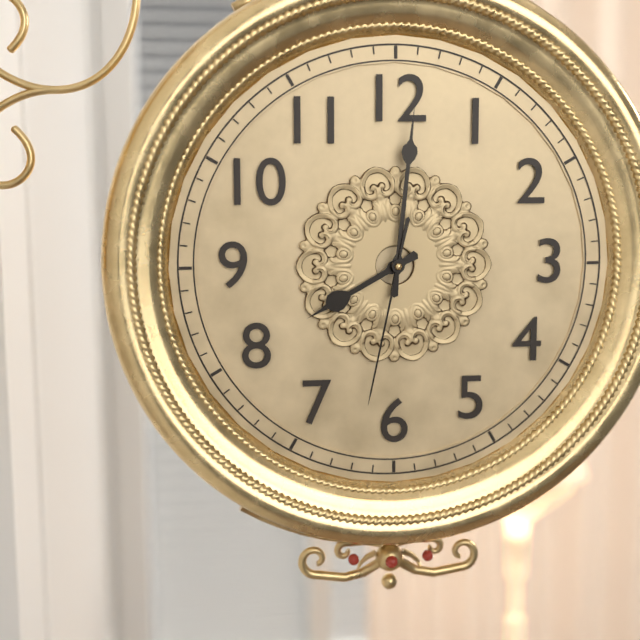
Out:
8 h 01 min 32 s
